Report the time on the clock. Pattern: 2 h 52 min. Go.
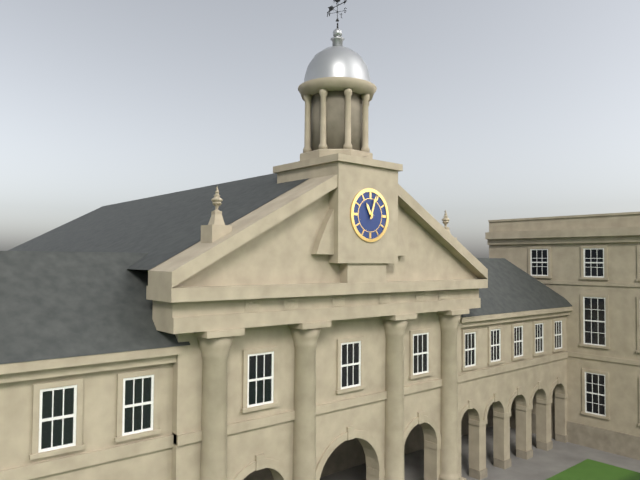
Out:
11 h 03 min
